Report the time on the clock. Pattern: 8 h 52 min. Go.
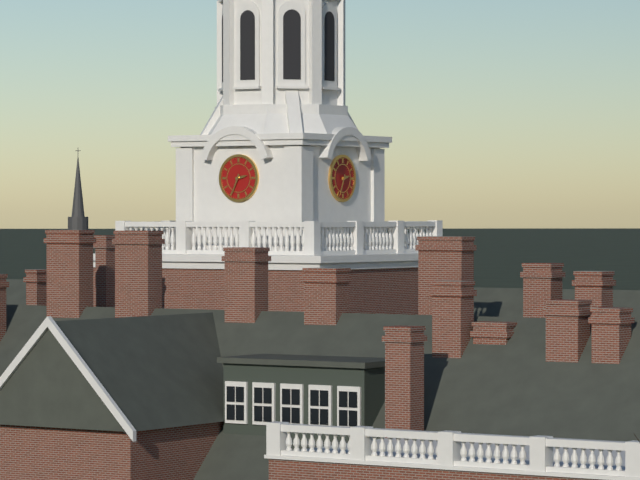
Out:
2 h 34 min
